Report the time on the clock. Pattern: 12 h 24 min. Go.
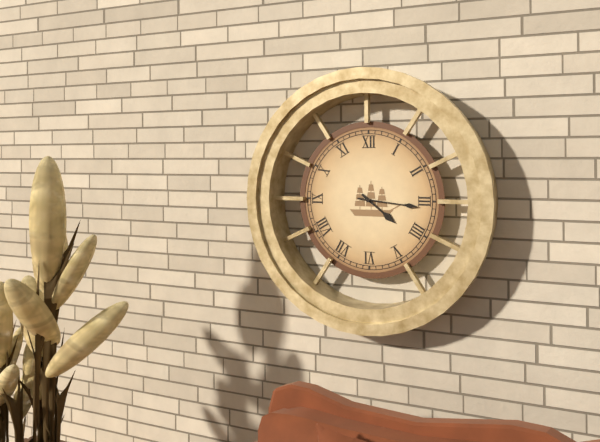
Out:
4 h 16 min
